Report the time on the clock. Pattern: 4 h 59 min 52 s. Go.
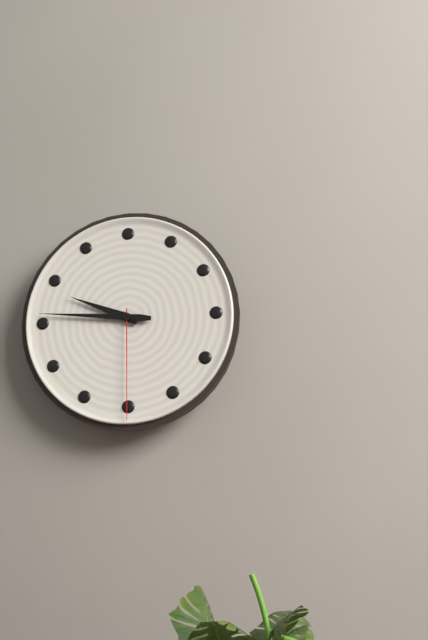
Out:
9 h 46 min 30 s
